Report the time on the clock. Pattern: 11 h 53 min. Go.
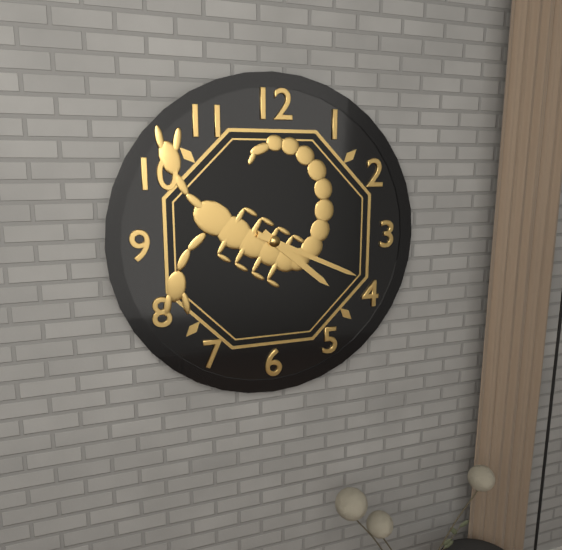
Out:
4 h 19 min
